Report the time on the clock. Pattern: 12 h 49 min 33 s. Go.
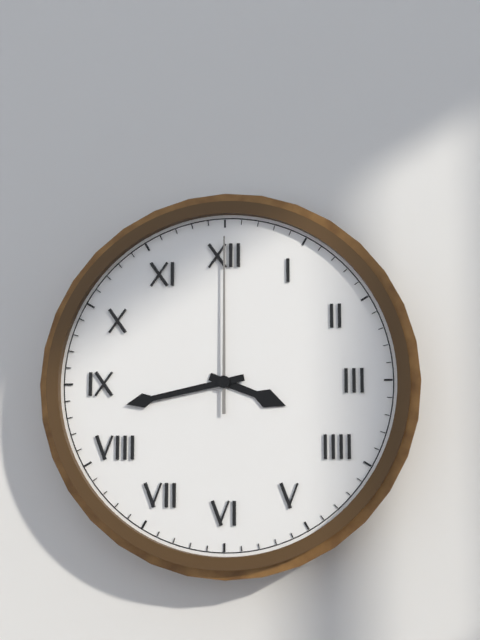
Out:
3 h 43 min 00 s
